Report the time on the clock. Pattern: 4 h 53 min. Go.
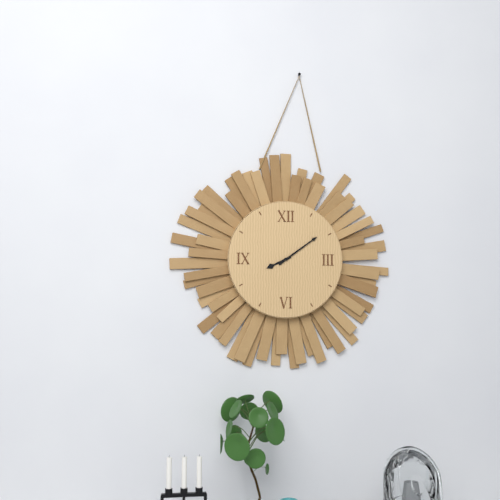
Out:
8 h 09 min
